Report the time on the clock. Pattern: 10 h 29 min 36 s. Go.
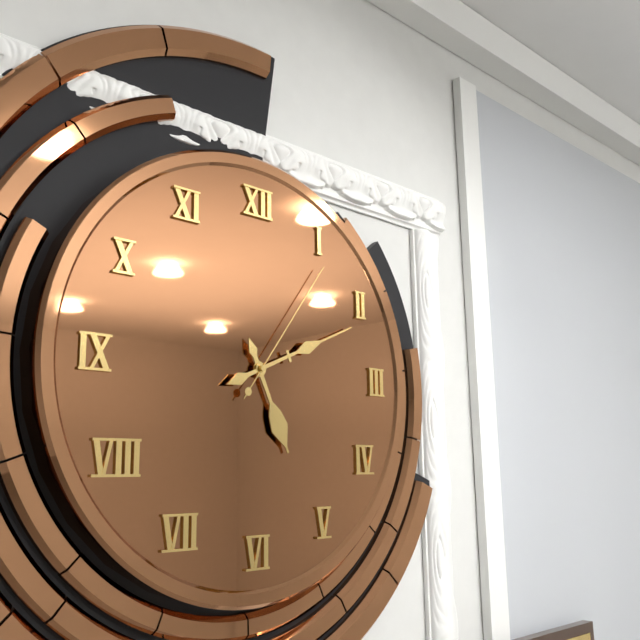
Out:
5 h 11 min 06 s
